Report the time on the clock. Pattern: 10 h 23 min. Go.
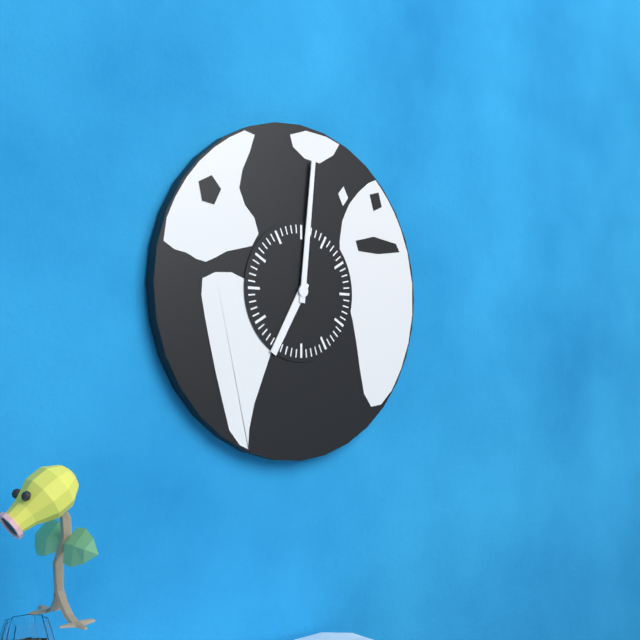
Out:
7 h 01 min
